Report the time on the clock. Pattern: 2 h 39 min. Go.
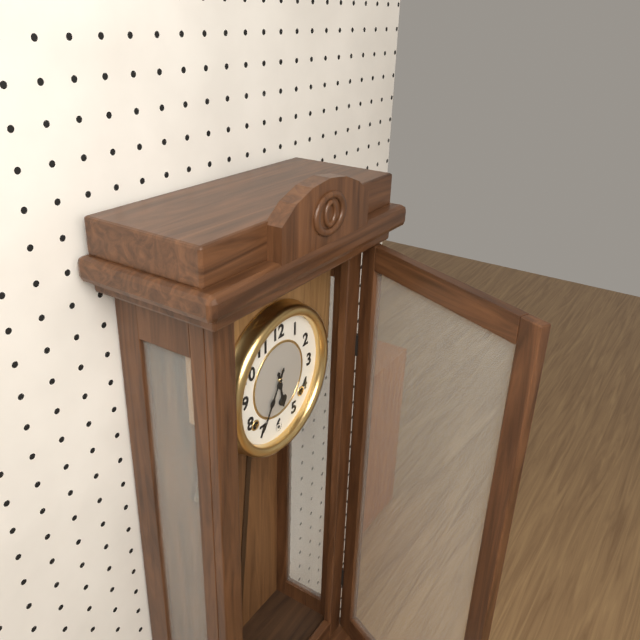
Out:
5 h 35 min
